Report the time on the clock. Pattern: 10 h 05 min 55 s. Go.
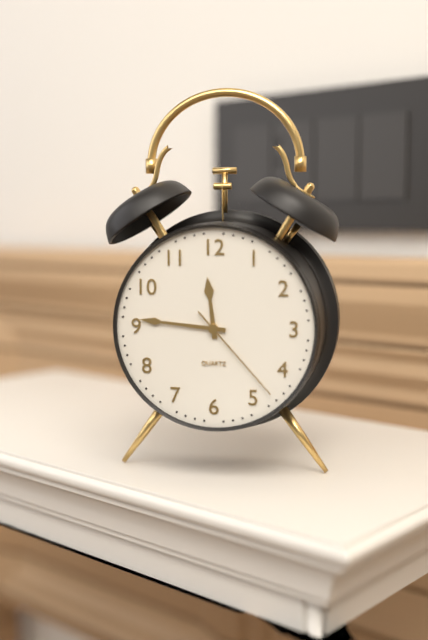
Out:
11 h 46 min 23 s
